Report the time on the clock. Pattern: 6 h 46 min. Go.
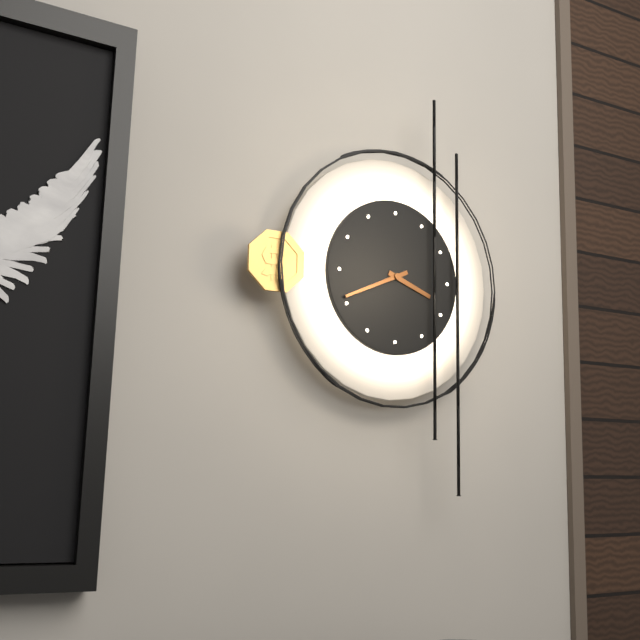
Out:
3 h 41 min
